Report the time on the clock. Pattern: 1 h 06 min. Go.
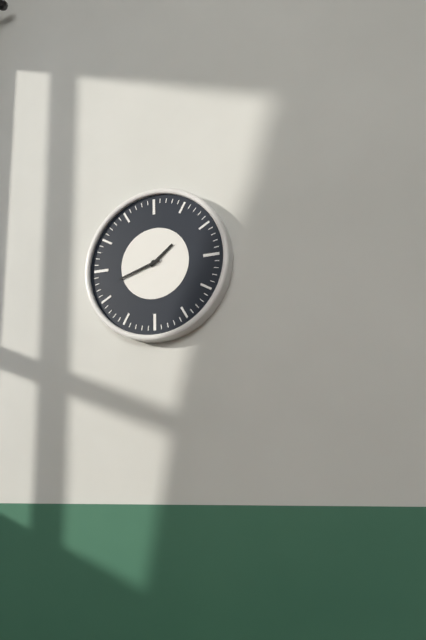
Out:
1 h 42 min
